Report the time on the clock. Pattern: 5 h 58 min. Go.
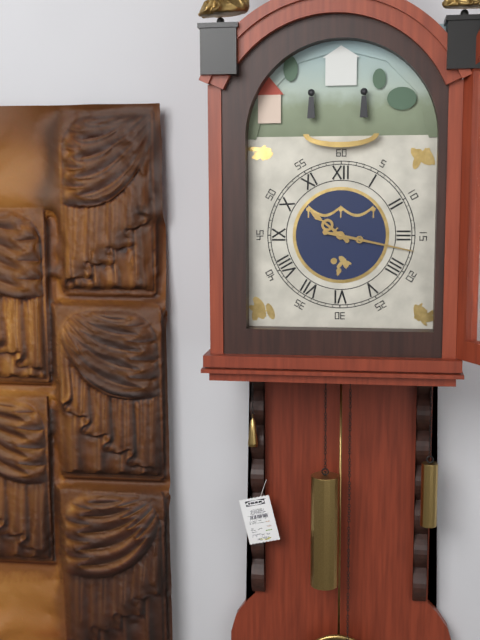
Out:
10 h 17 min
